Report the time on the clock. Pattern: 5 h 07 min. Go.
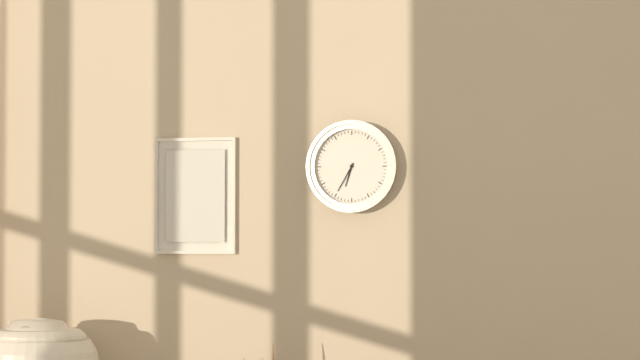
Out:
6 h 35 min
